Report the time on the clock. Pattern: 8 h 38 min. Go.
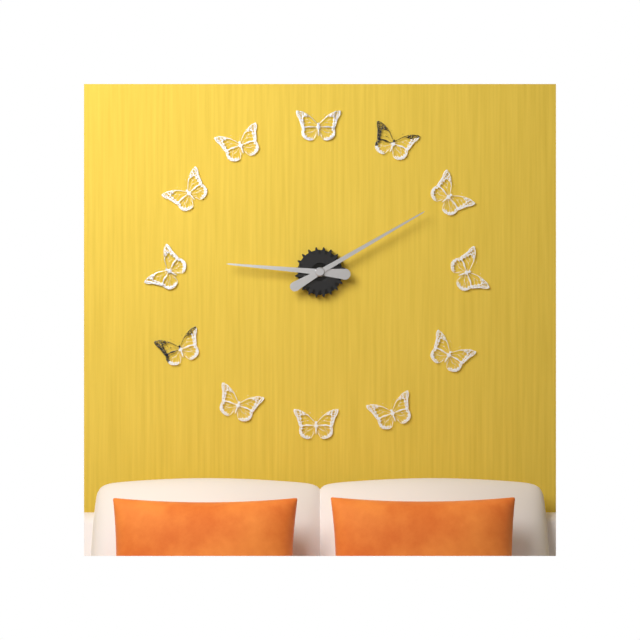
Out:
9 h 10 min
